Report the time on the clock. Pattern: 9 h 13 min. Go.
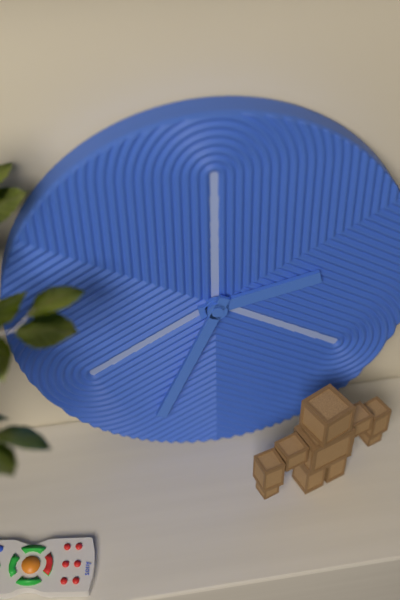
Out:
2 h 34 min
